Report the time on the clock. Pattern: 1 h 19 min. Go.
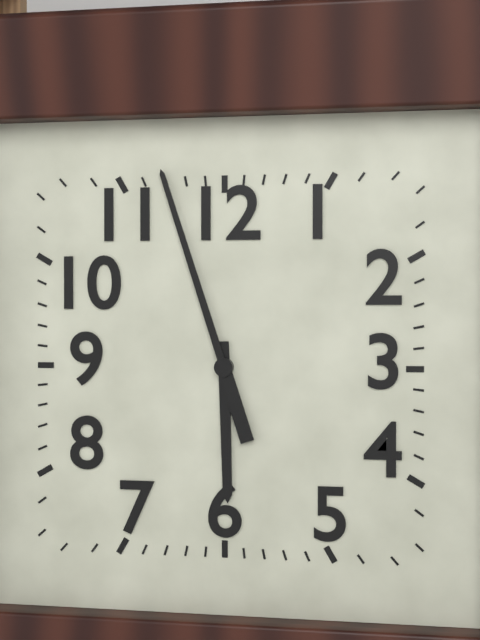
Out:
5 h 57 min
